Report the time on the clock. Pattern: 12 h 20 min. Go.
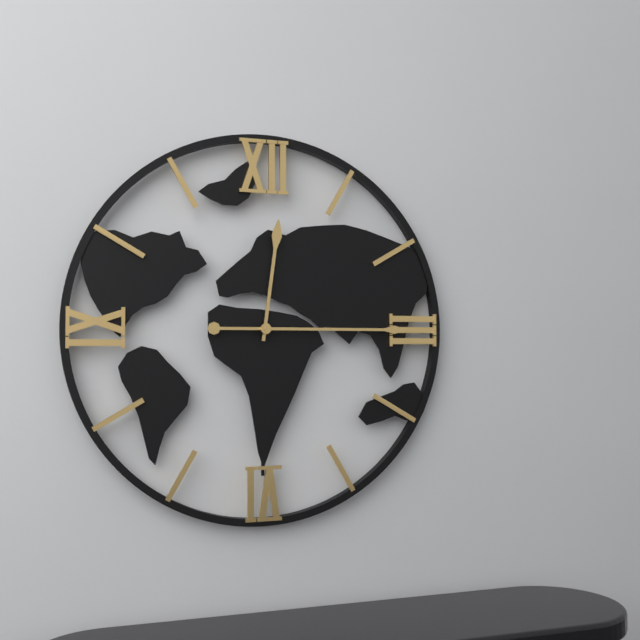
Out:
12 h 15 min
